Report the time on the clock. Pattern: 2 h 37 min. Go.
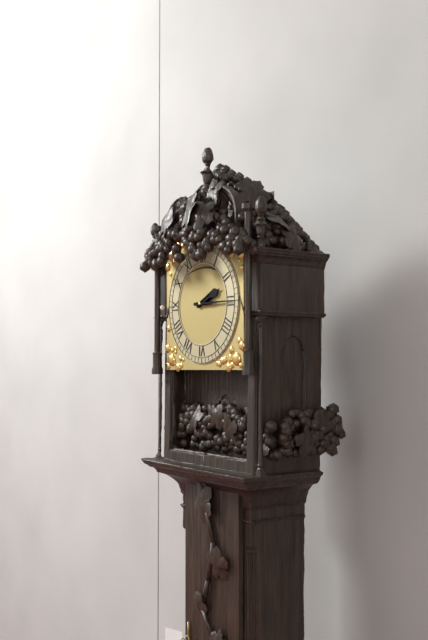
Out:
2 h 15 min
